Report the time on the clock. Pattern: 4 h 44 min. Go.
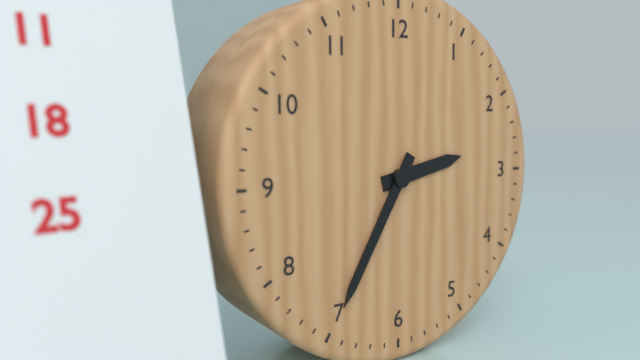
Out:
2 h 35 min
